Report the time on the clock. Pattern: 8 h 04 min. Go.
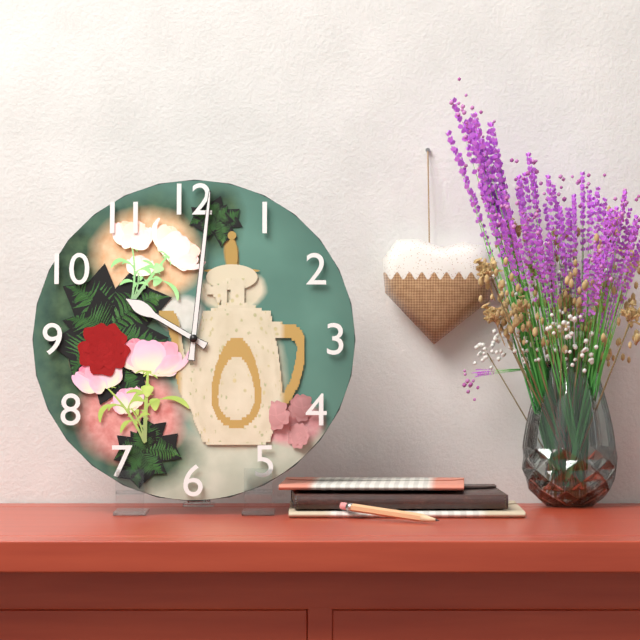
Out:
10 h 01 min
